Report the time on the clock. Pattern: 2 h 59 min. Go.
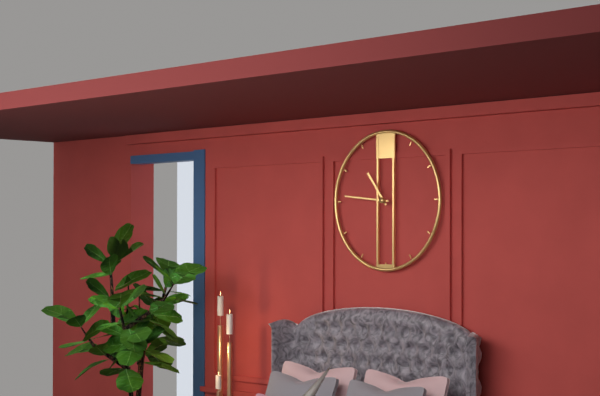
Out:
10 h 46 min
